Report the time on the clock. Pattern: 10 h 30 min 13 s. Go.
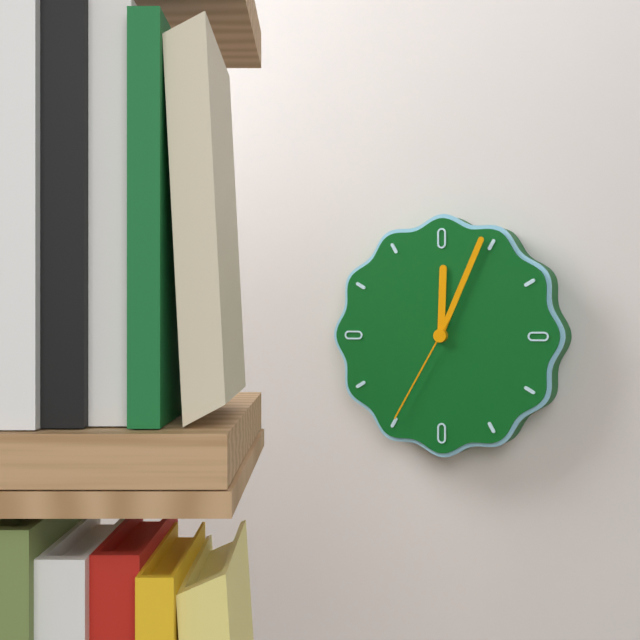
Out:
12 h 04 min 35 s
